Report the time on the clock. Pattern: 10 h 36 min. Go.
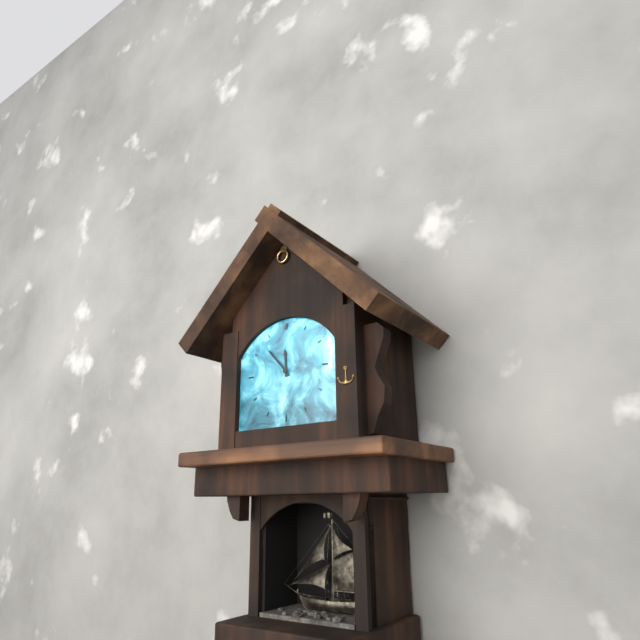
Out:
11 h 53 min
